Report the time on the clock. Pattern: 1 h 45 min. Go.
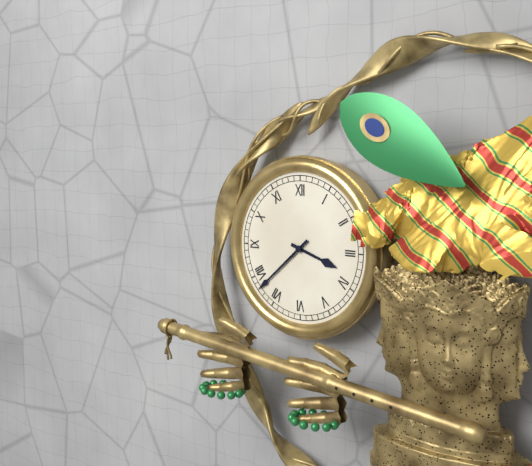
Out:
3 h 38 min
